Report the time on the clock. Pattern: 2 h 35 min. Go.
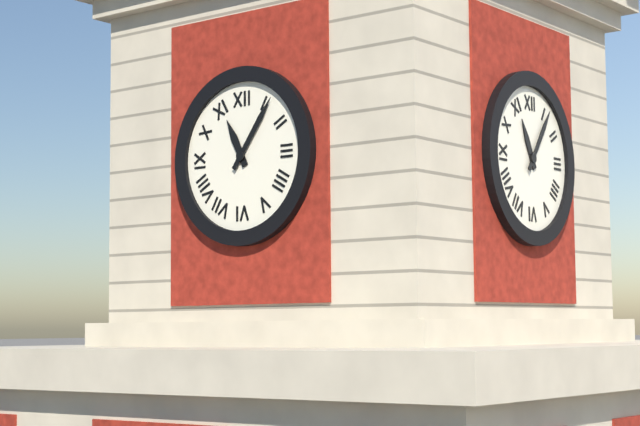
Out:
11 h 06 min
